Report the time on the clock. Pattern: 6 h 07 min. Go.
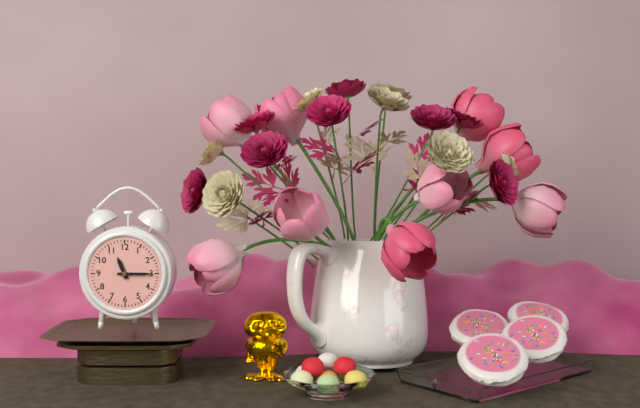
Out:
11 h 15 min
